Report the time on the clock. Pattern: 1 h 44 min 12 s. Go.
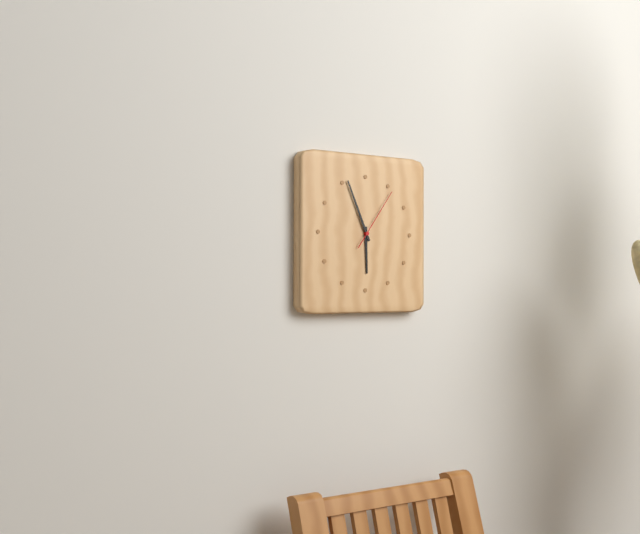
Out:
5 h 56 min 06 s
